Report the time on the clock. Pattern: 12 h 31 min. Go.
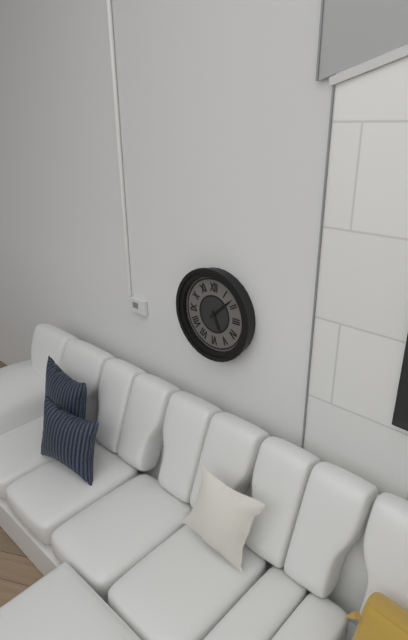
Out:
5 h 08 min
